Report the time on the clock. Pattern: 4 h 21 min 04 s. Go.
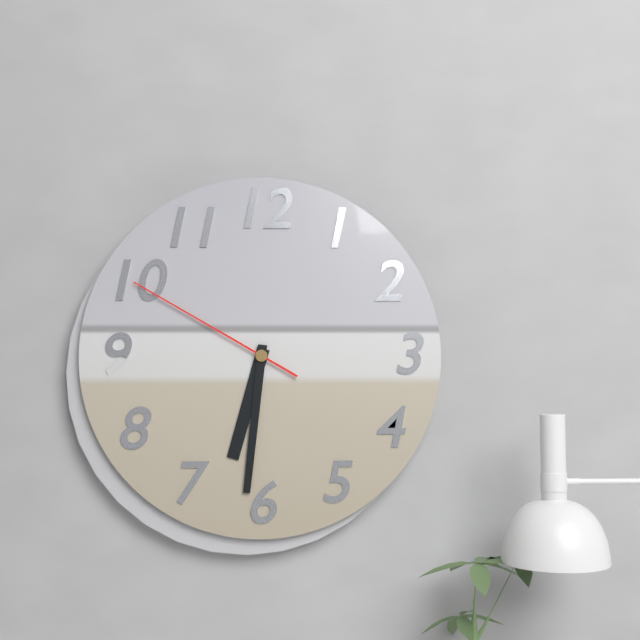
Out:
6 h 31 min 50 s
